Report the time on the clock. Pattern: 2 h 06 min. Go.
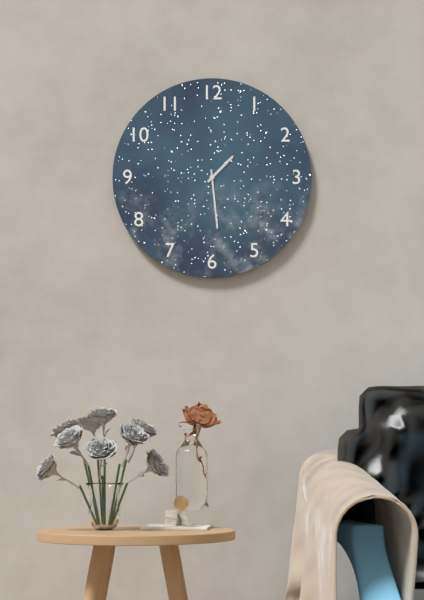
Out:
1 h 29 min
